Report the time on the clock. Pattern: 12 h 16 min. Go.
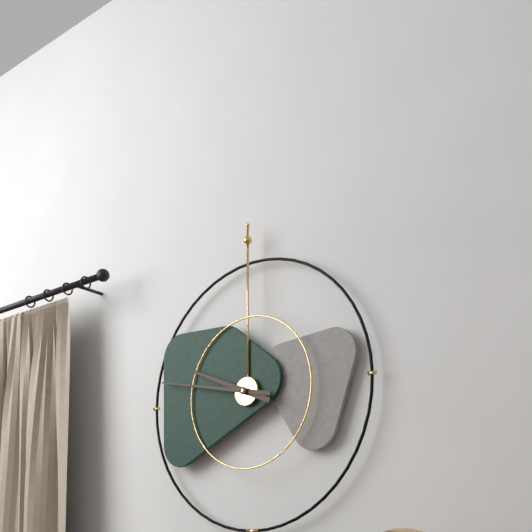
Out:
9 h 47 min
